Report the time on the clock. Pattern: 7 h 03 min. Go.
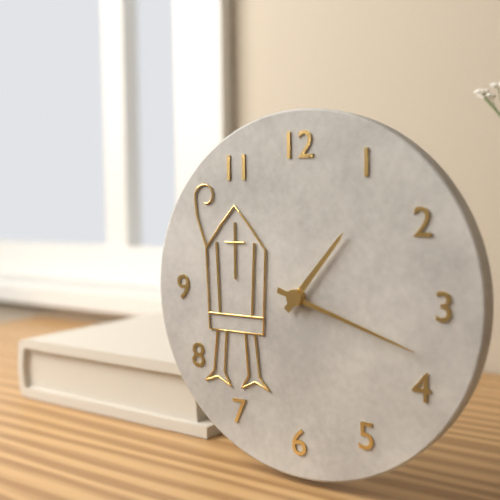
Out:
1 h 18 min
